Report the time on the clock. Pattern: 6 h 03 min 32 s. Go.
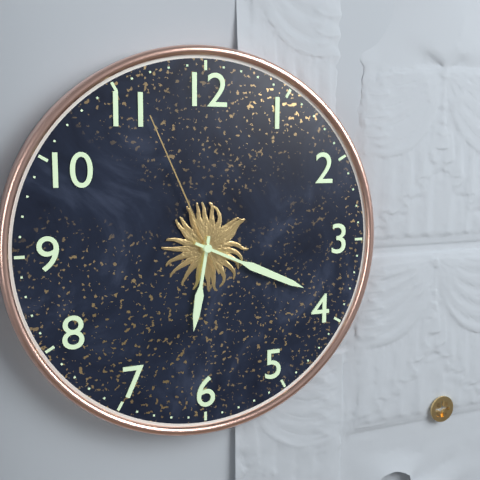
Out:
6 h 19 min 56 s
